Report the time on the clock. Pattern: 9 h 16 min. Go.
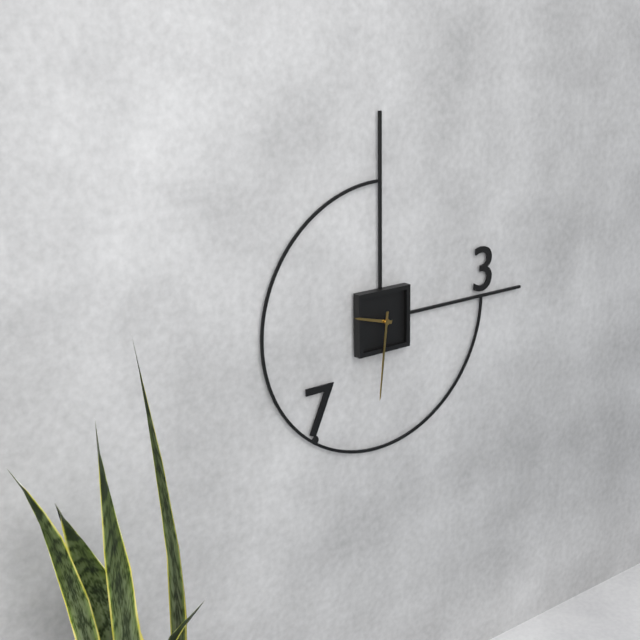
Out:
9 h 31 min
